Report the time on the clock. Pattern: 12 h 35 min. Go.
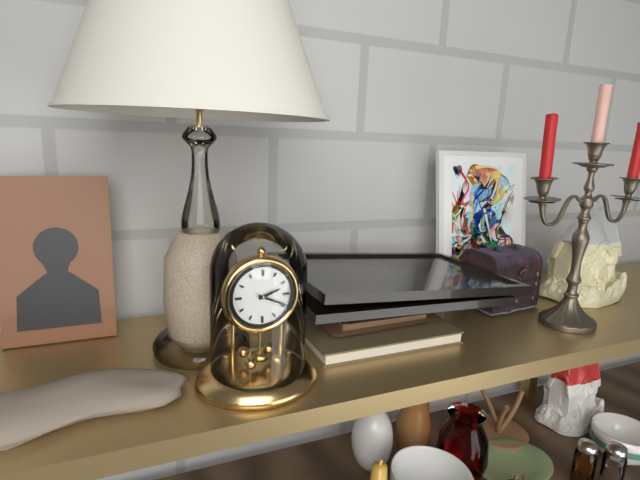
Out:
2 h 19 min
